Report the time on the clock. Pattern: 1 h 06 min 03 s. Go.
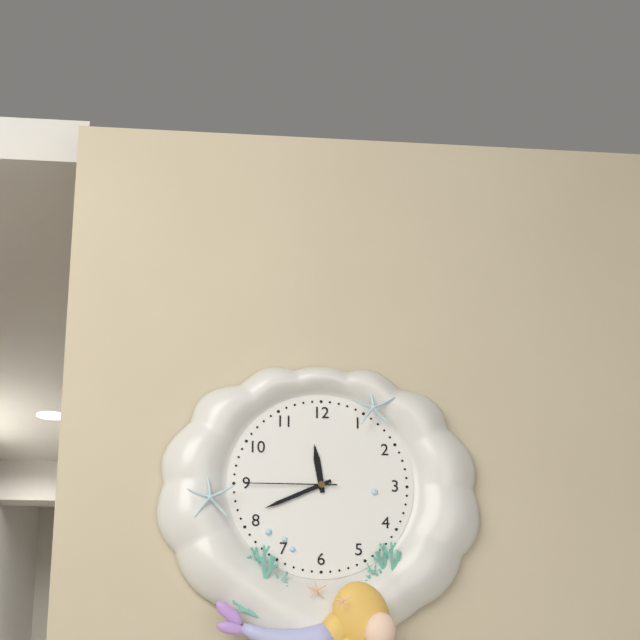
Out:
11 h 41 min 45 s
